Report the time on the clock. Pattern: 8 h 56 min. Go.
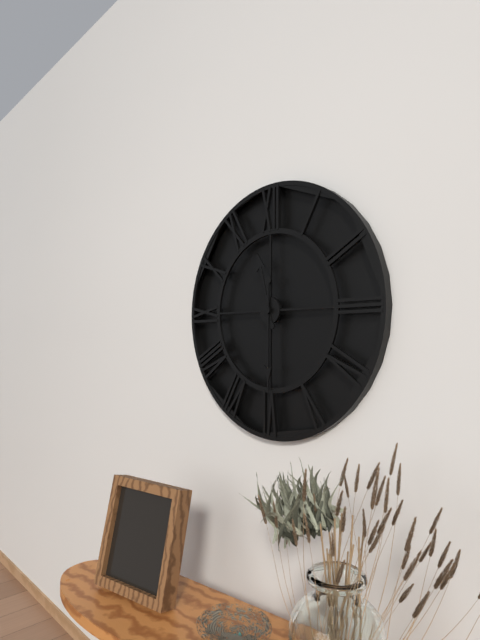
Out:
11 h 30 min
